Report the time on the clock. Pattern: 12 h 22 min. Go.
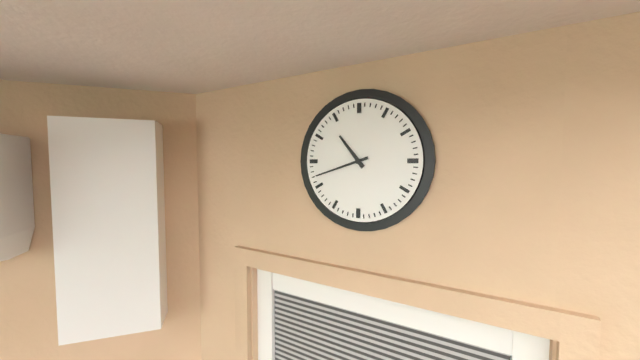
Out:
10 h 42 min
